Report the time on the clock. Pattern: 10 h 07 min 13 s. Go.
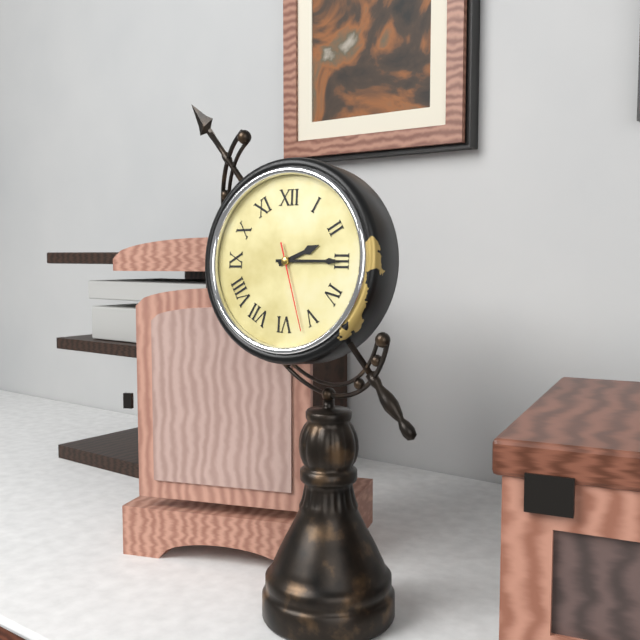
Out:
2 h 15 min 27 s
